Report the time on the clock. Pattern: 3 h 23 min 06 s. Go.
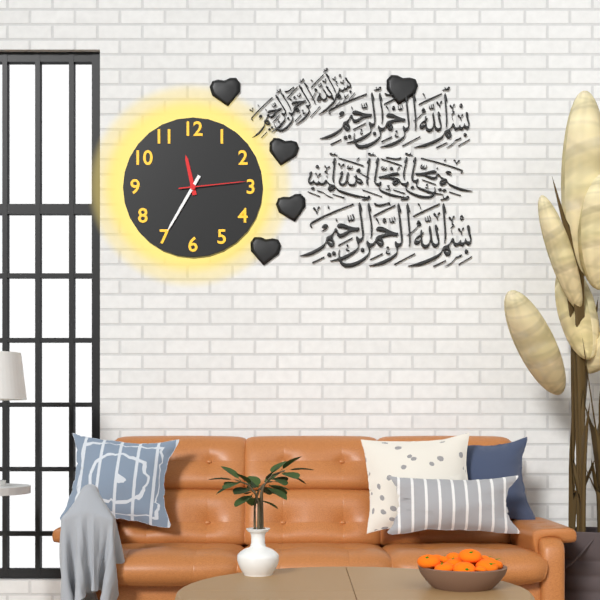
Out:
11 h 35 min 14 s
